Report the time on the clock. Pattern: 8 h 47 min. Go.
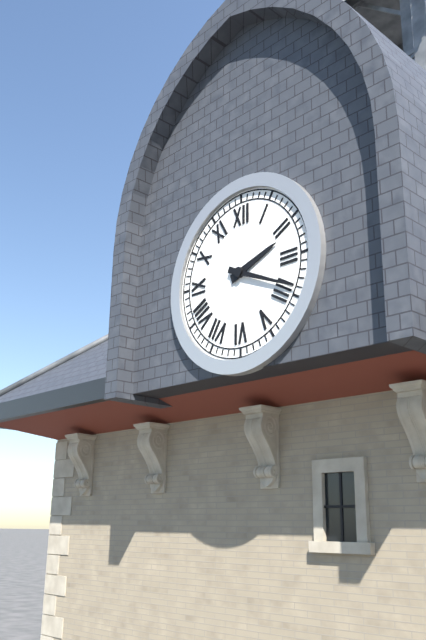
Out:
2 h 19 min
